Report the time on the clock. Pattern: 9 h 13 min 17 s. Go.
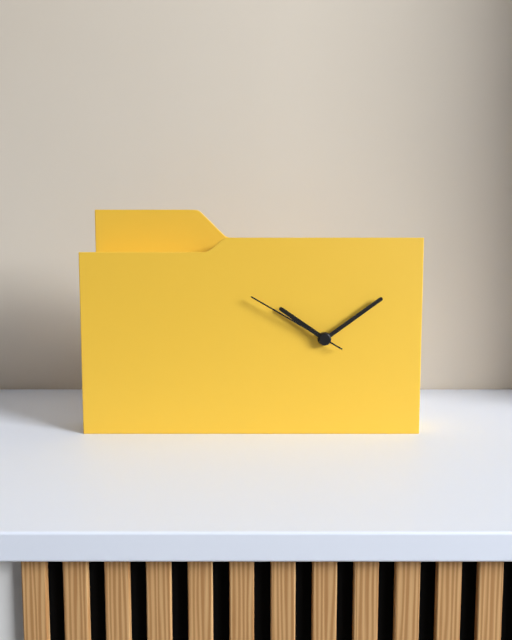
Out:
10 h 09 min 50 s
